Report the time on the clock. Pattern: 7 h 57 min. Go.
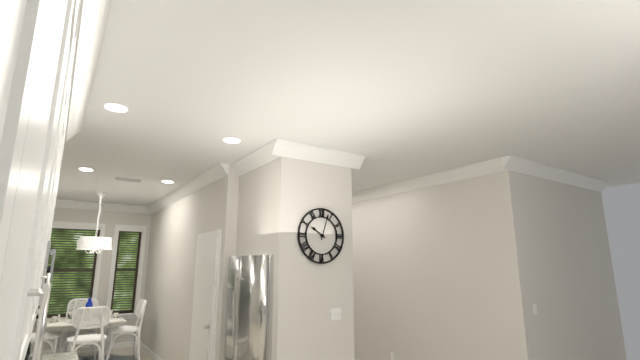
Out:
10 h 03 min
